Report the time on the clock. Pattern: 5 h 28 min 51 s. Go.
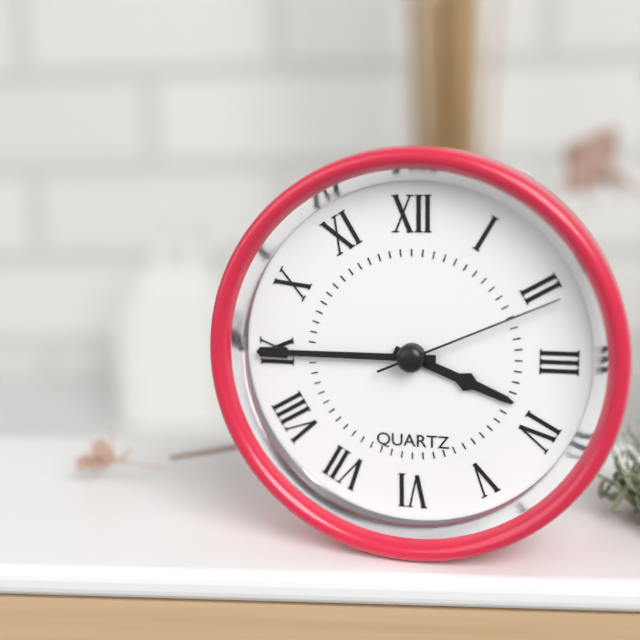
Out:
3 h 45 min 11 s
